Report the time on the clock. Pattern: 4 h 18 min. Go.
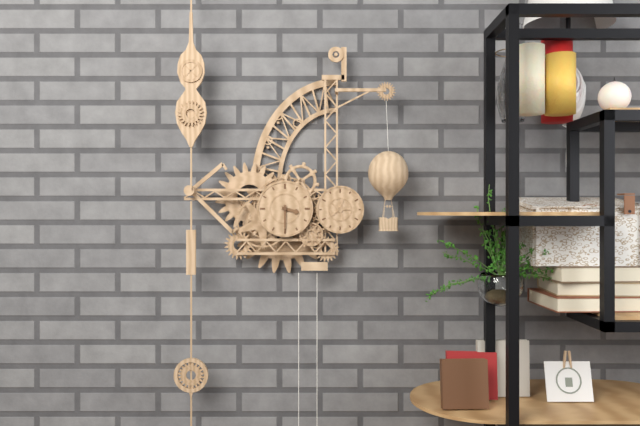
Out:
3 h 30 min
